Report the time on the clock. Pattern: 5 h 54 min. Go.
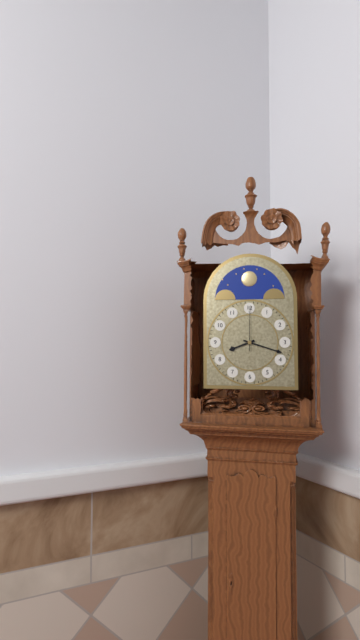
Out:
8 h 18 min
